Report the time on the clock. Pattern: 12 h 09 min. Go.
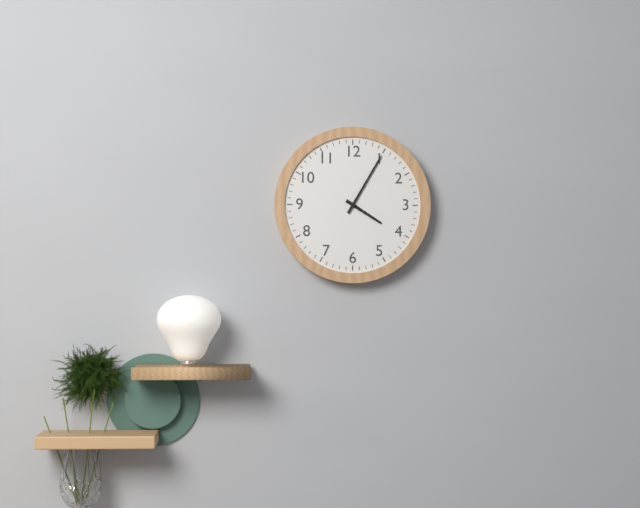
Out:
4 h 05 min
